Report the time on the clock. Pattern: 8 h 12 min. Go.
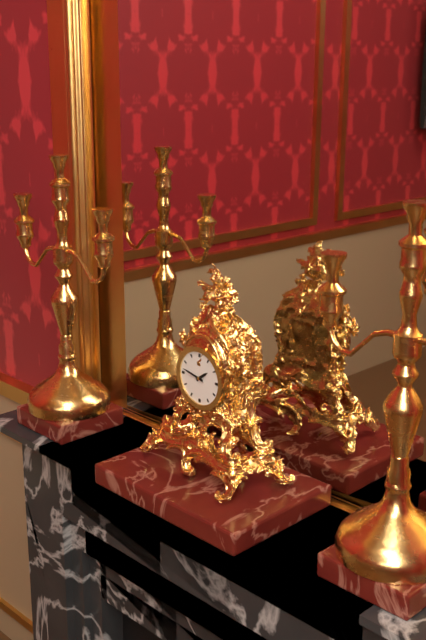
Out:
1 h 47 min
